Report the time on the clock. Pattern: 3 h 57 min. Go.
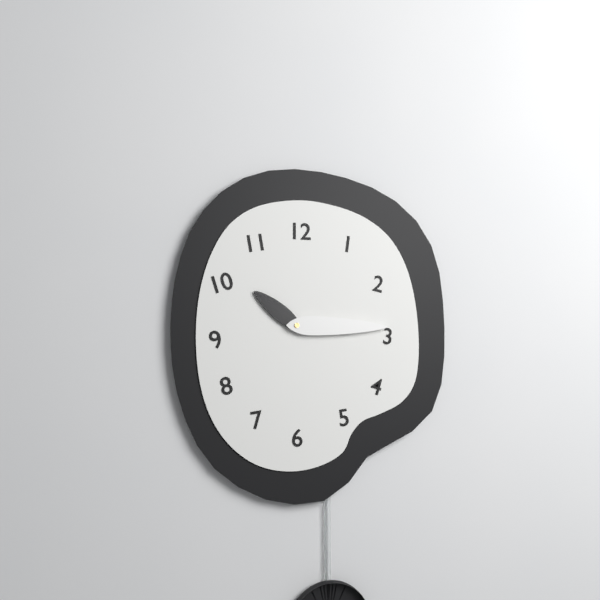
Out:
10 h 15 min
